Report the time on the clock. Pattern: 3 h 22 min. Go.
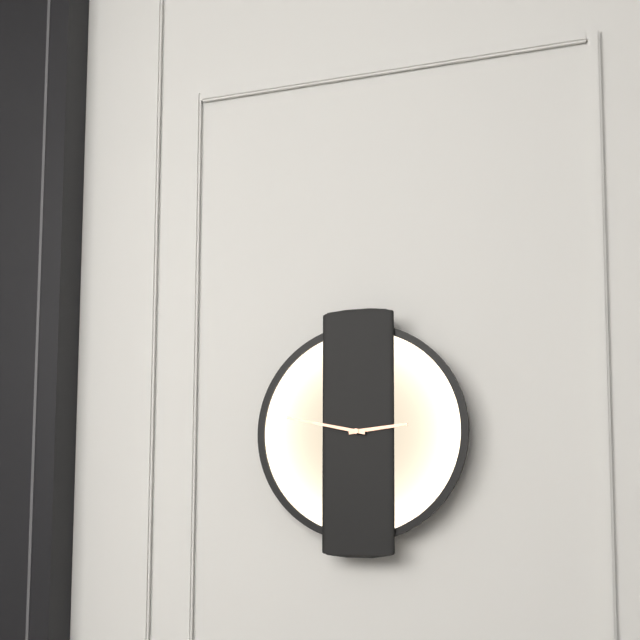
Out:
2 h 47 min
